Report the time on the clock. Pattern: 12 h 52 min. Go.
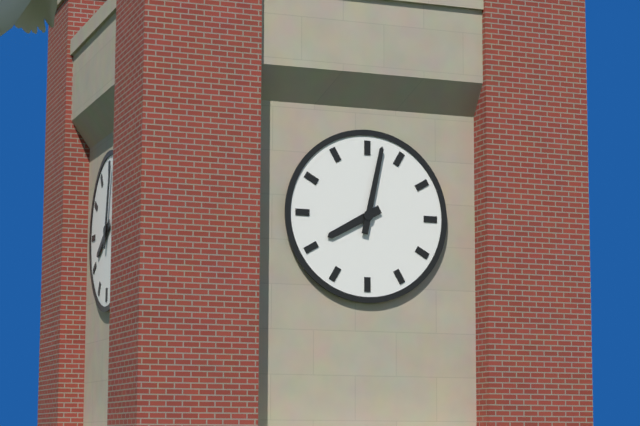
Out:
8 h 02 min
